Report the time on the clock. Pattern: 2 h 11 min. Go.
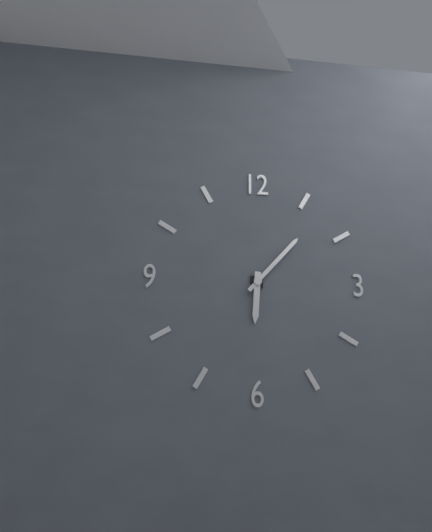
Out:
6 h 07 min
